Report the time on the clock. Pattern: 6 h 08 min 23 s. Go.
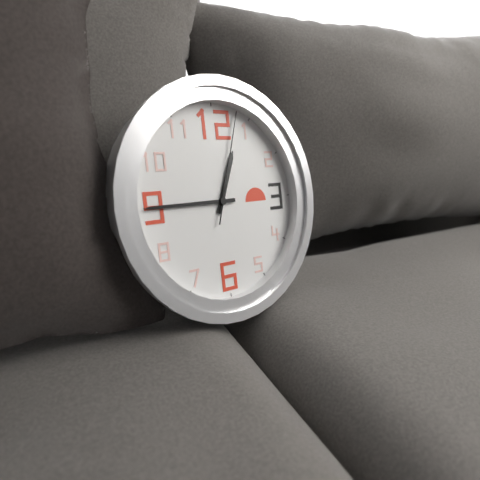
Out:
12 h 45 min 03 s
